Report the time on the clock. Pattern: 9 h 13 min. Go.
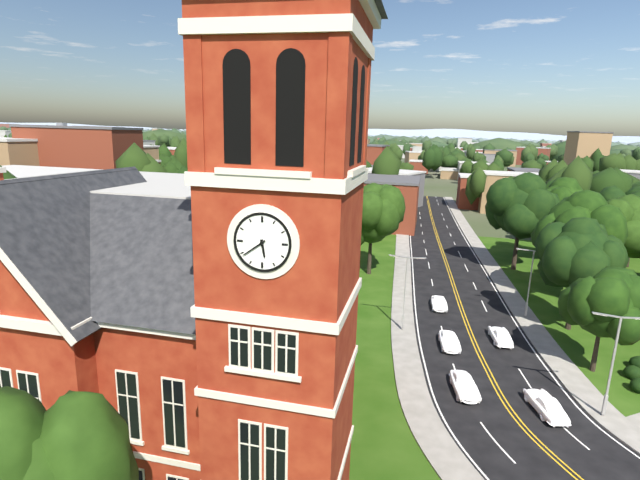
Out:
5 h 39 min
